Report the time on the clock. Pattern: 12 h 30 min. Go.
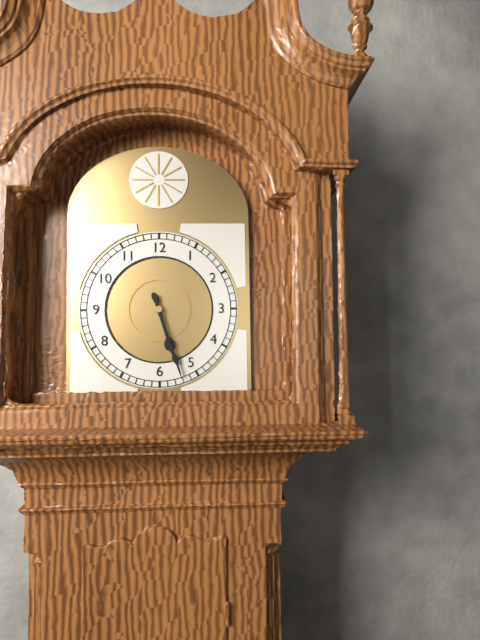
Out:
5 h 27 min
